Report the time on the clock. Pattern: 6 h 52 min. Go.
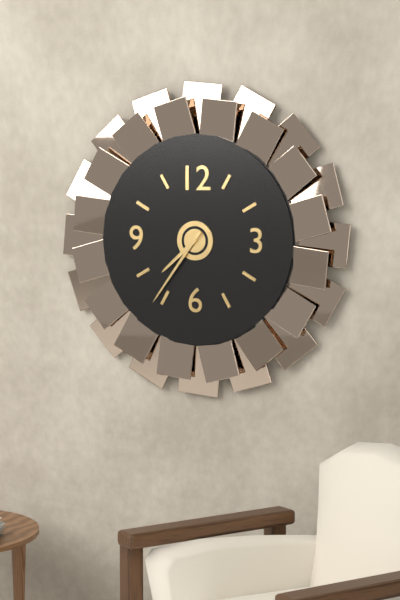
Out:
7 h 36 min
